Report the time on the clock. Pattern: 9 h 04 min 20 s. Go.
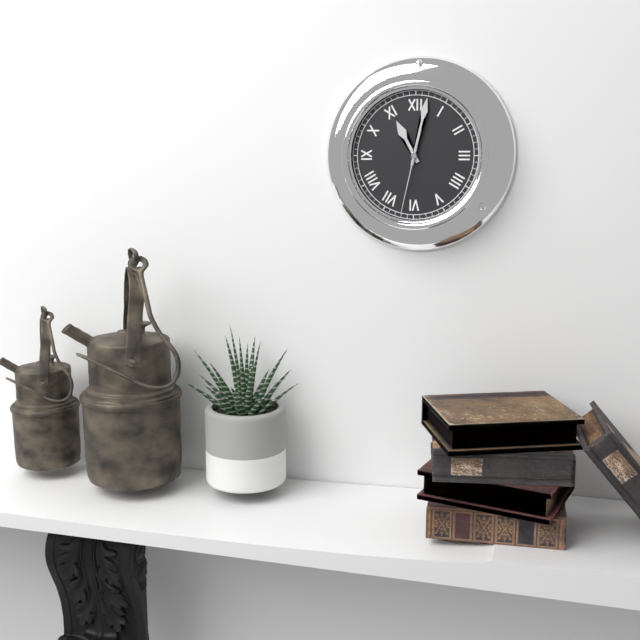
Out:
11 h 02 min 32 s
